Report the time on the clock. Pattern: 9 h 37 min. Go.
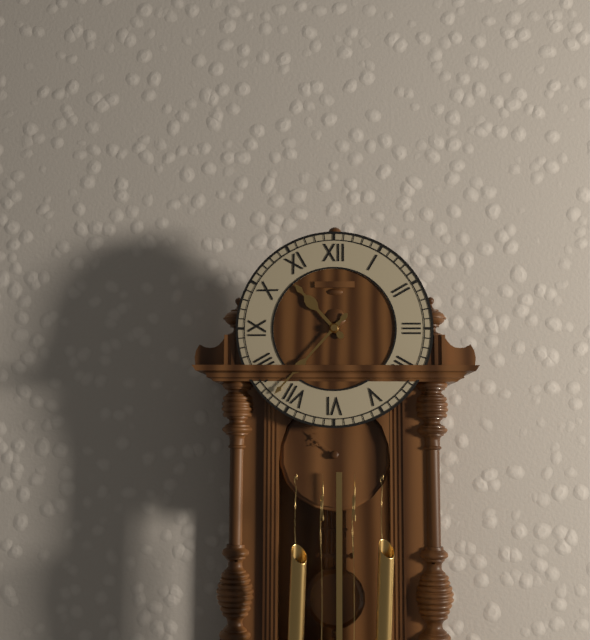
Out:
10 h 37 min
